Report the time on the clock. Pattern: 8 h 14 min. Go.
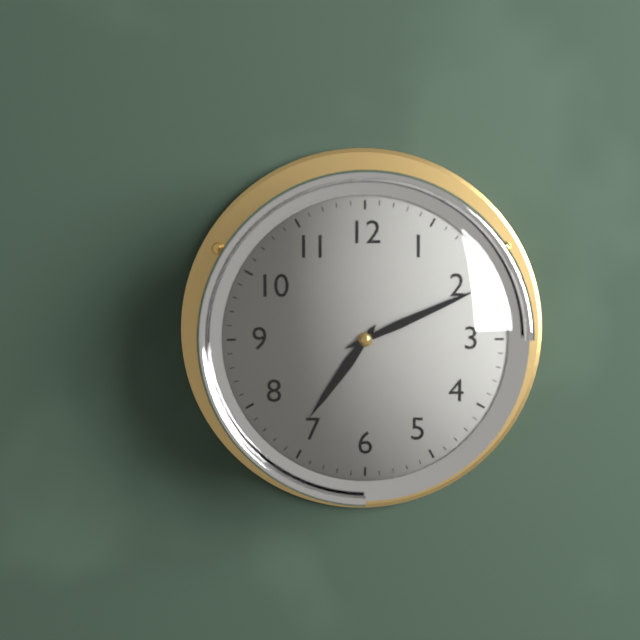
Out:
7 h 11 min
